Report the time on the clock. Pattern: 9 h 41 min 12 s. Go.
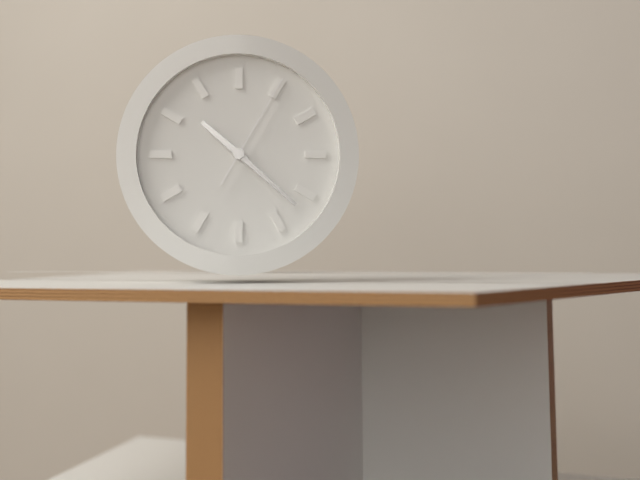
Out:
10 h 22 min 05 s
